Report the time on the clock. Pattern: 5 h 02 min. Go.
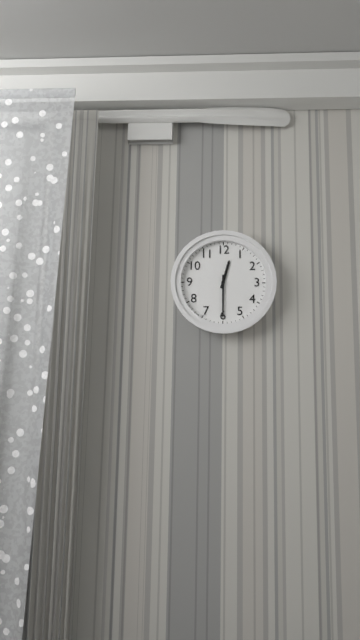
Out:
12 h 30 min
